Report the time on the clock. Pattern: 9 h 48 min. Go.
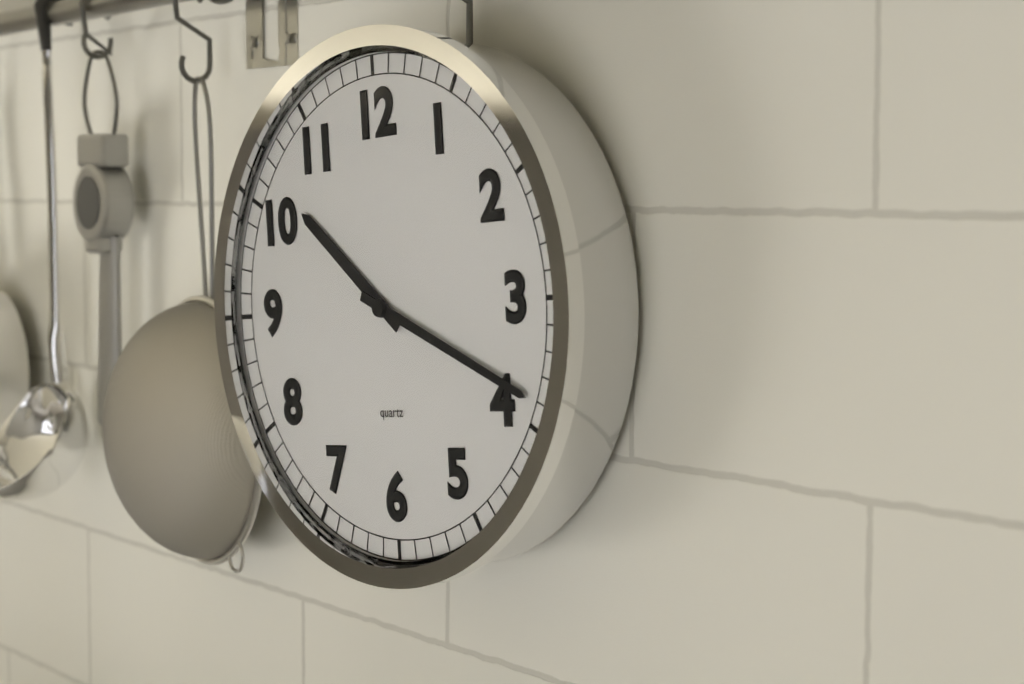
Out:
10 h 19 min
